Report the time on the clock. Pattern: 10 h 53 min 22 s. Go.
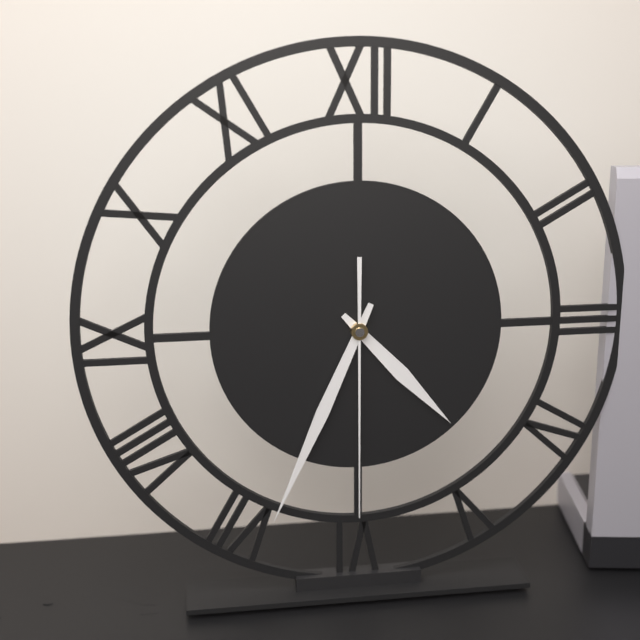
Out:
4 h 34 min 30 s
